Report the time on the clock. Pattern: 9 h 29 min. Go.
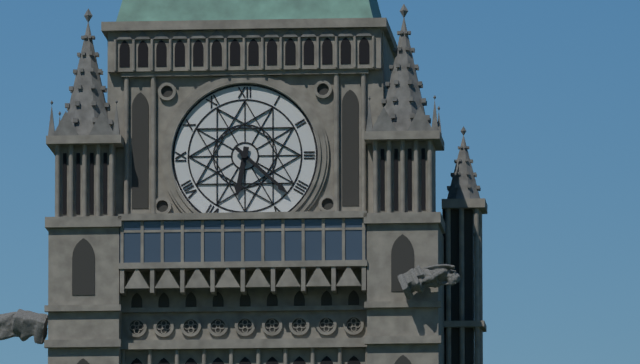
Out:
6 h 22 min
